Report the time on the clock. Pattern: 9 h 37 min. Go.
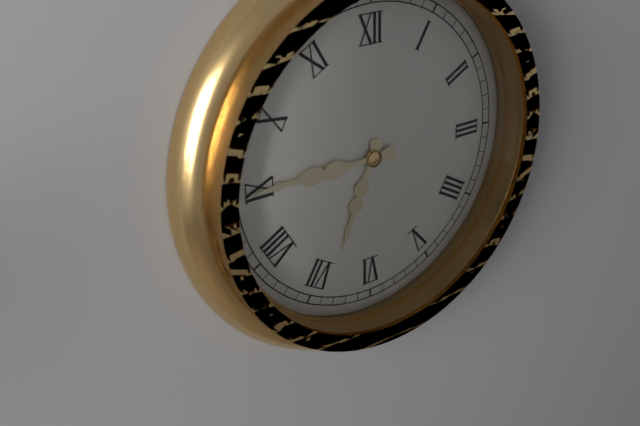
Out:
6 h 45 min
